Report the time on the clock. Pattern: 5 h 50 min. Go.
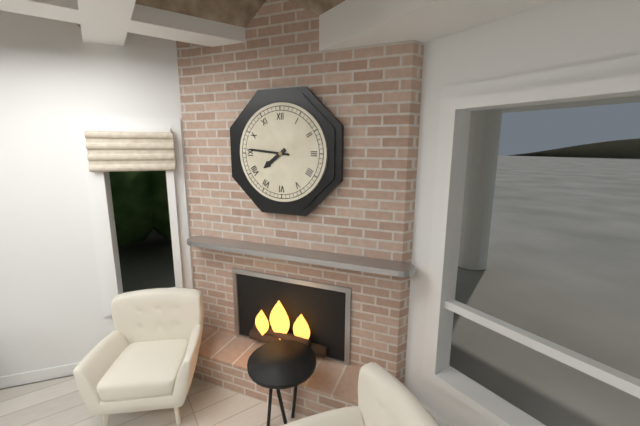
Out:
7 h 46 min
